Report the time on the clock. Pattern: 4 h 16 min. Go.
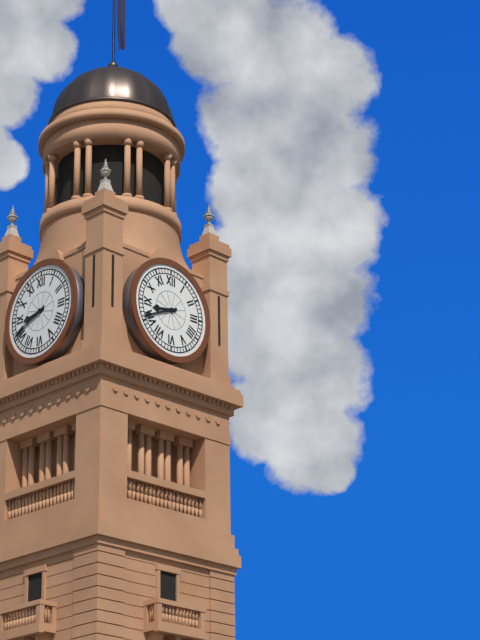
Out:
8 h 41 min
